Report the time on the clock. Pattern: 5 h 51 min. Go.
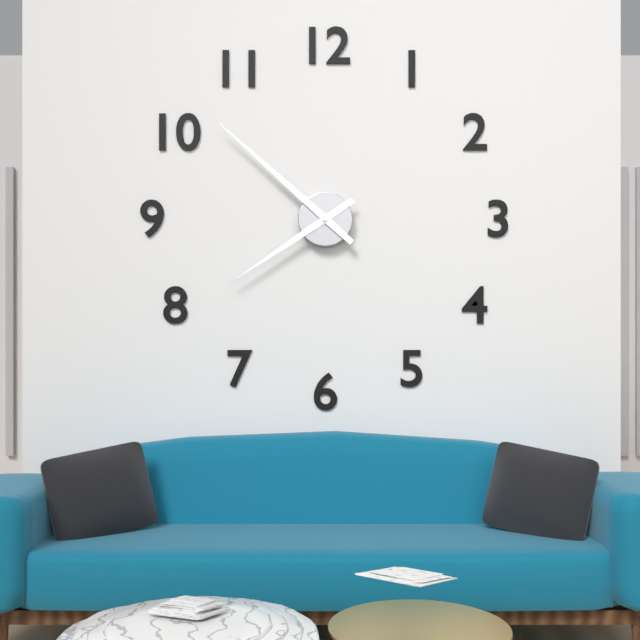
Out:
7 h 52 min
